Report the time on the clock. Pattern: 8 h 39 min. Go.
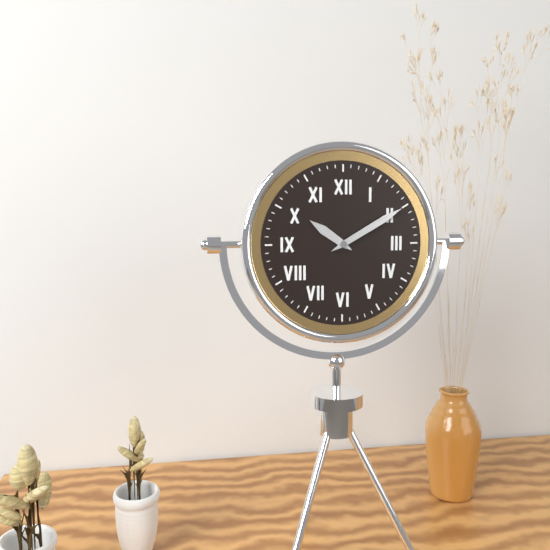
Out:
10 h 10 min
